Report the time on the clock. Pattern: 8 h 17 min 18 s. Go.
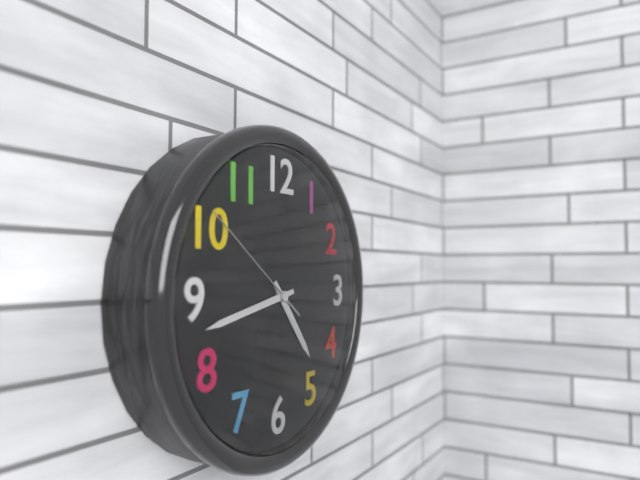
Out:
4 h 43 min 51 s
